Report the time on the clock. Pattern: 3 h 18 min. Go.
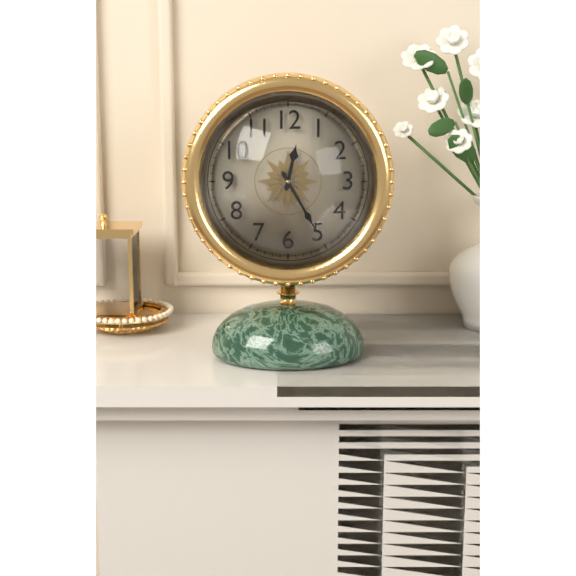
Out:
12 h 25 min
